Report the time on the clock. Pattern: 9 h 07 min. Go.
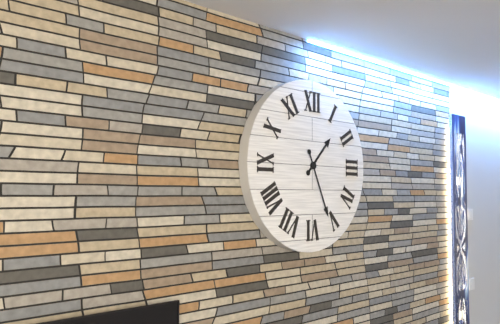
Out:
1 h 26 min
